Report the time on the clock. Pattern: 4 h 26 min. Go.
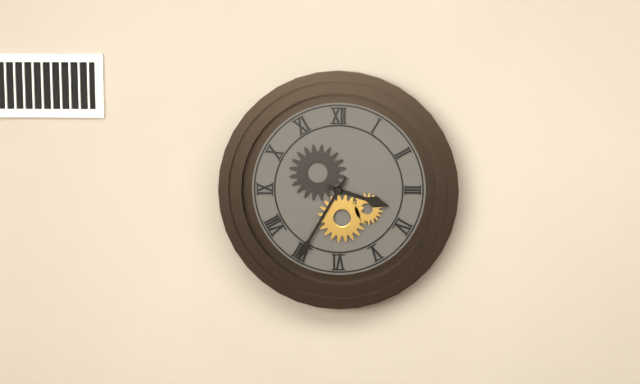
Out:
3 h 35 min
